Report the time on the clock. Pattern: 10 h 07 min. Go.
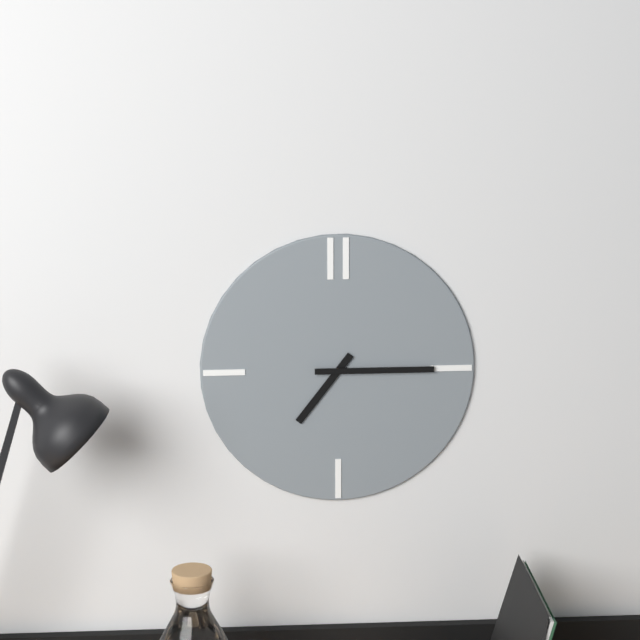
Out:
7 h 15 min
